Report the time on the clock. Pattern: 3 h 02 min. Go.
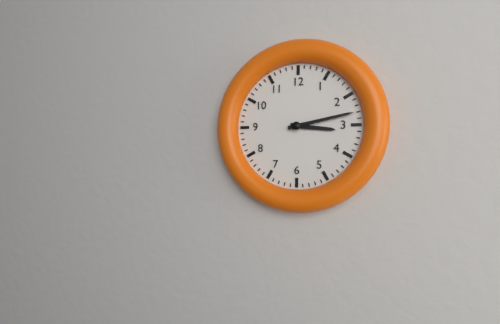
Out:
3 h 13 min
